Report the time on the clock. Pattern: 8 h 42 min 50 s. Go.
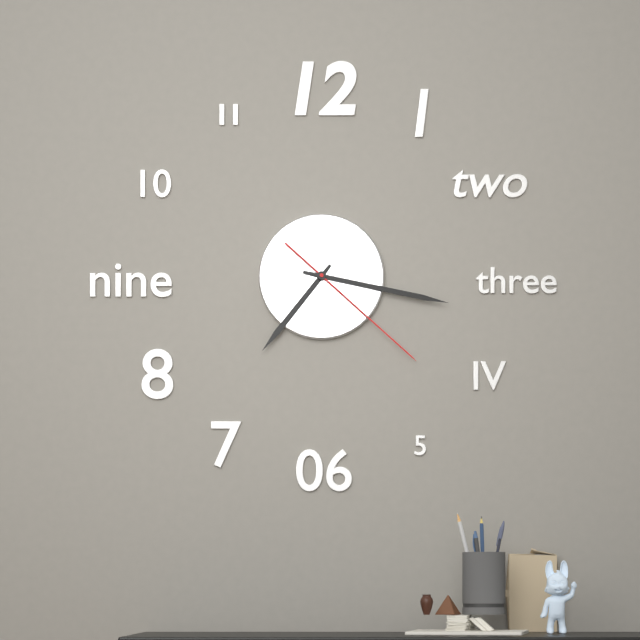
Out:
7 h 17 min 22 s
